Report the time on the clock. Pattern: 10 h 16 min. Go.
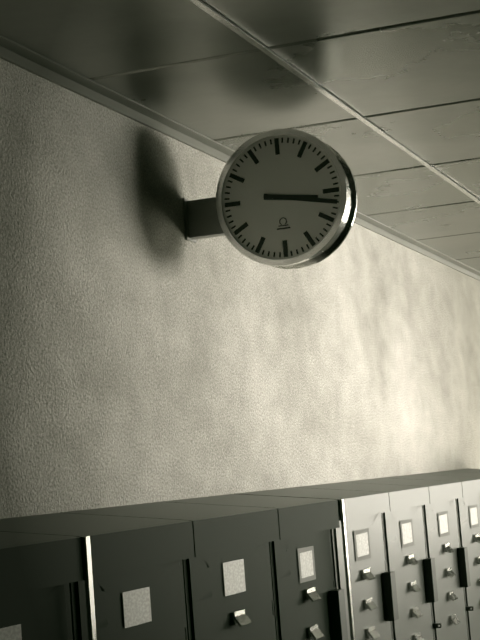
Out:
3 h 17 min
